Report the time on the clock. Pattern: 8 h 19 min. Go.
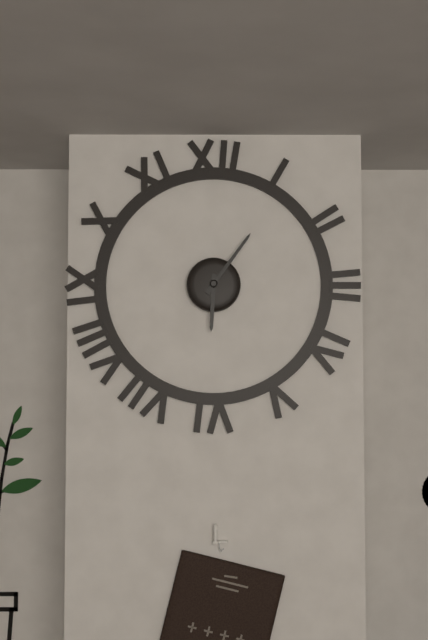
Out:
6 h 06 min
